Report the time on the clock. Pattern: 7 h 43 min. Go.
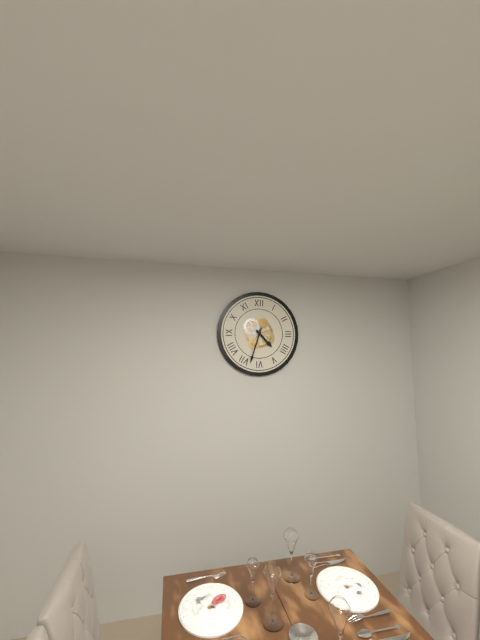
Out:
4 h 33 min
